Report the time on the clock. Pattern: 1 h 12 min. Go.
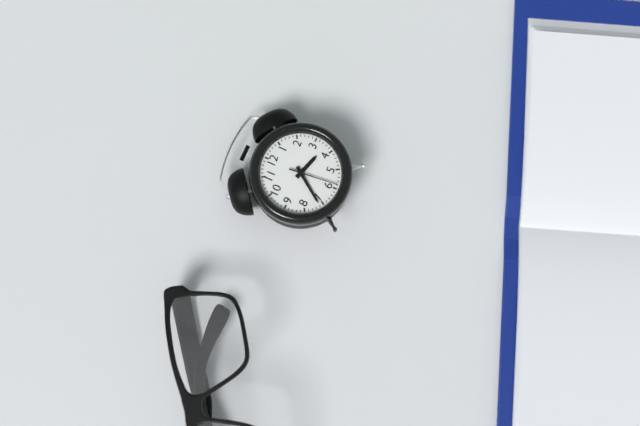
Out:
3 h 36 min
